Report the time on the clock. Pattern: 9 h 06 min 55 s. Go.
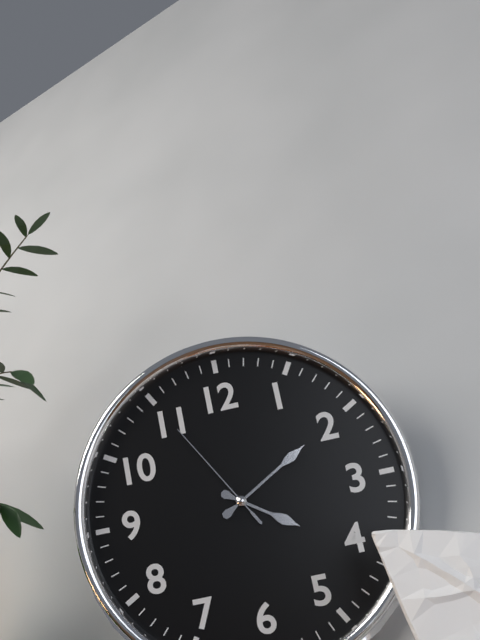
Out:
4 h 10 min 55 s
